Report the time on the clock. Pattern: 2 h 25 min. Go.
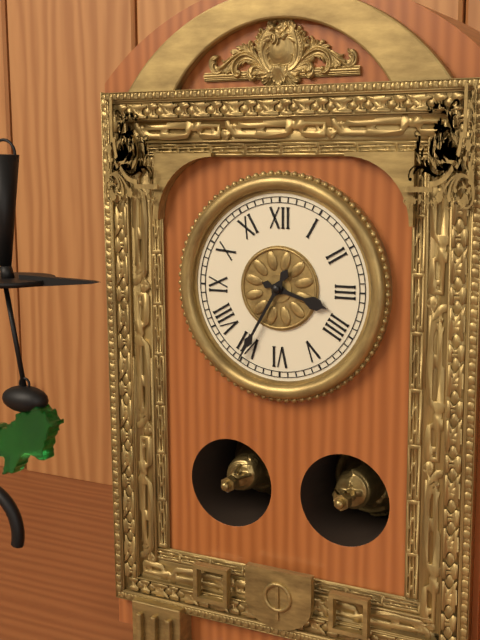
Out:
3 h 35 min
